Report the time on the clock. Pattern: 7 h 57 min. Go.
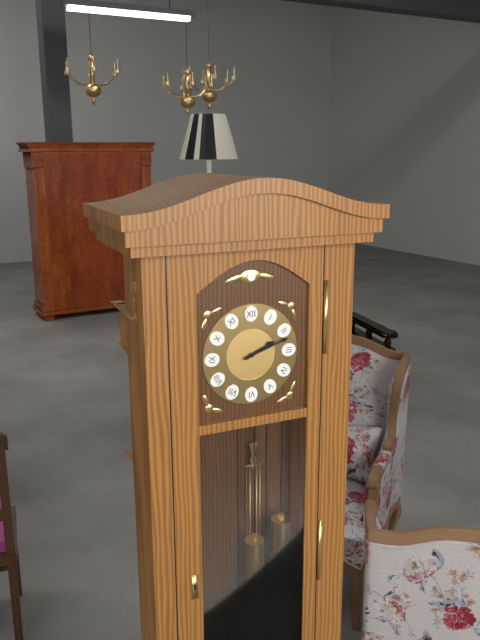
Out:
2 h 12 min
